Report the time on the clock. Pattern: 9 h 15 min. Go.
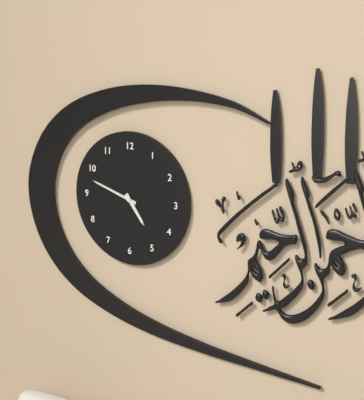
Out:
4 h 48 min
